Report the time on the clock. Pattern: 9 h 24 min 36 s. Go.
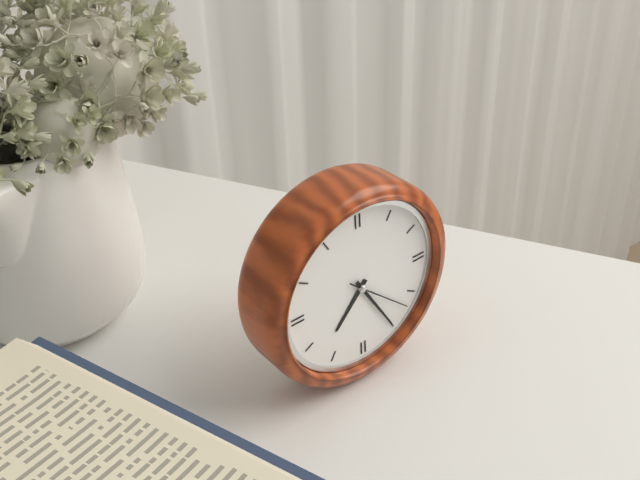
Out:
7 h 25 min 22 s
